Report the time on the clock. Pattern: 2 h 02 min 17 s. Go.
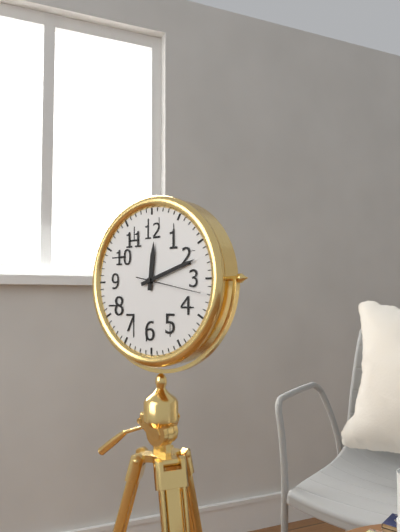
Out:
12 h 12 min 17 s
